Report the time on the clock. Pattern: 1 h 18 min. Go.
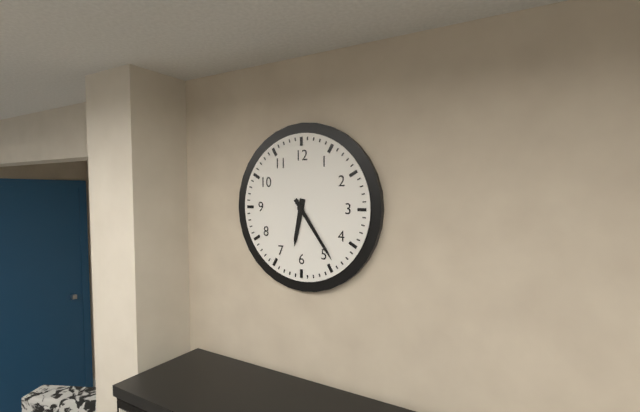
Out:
6 h 24 min
